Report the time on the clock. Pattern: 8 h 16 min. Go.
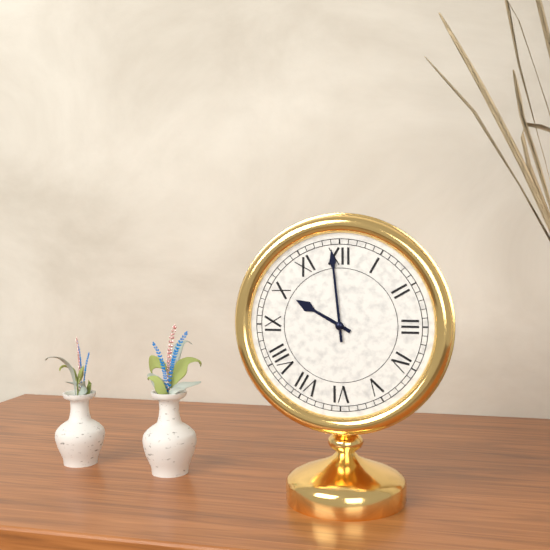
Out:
9 h 59 min
